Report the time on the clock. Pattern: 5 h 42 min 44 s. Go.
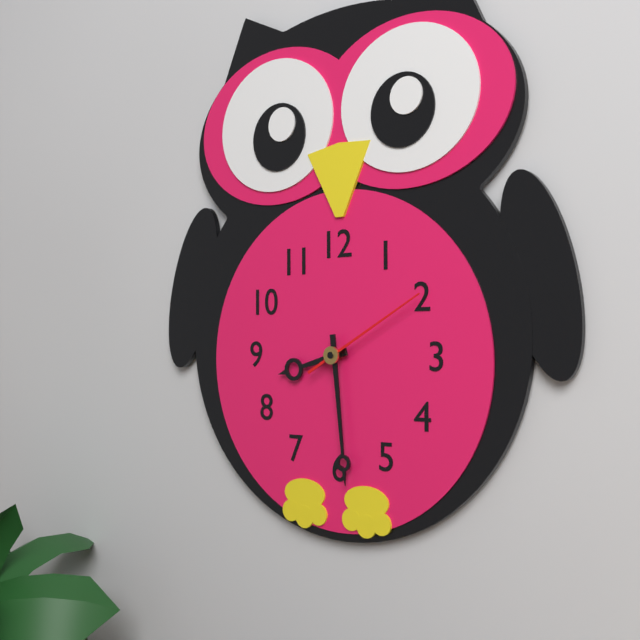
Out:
8 h 29 min 10 s
